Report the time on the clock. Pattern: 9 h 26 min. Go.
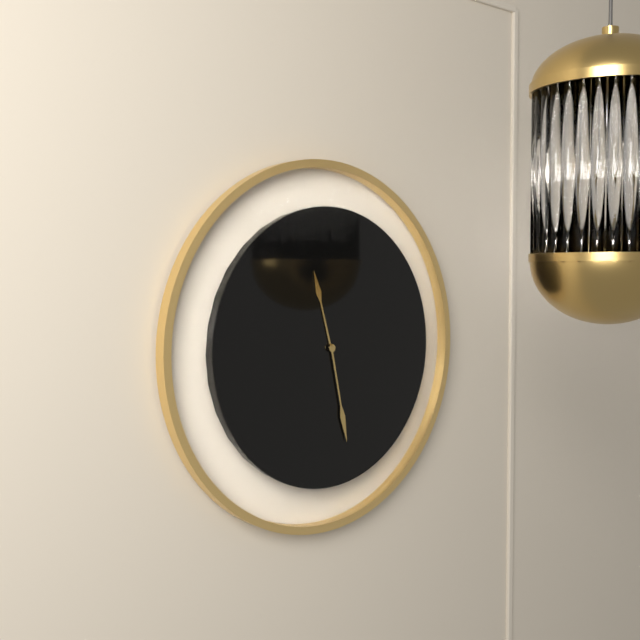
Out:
11 h 28 min
